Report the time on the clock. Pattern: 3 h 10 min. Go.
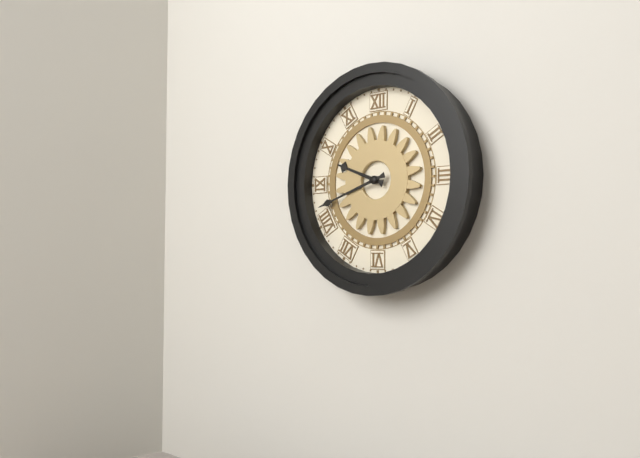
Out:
9 h 42 min
